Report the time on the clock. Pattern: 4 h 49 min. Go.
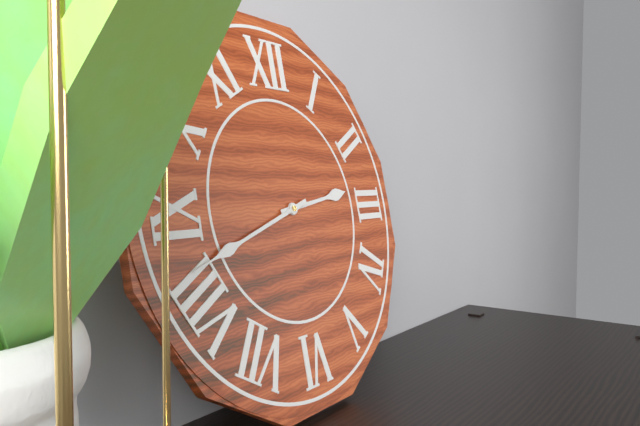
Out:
2 h 42 min
